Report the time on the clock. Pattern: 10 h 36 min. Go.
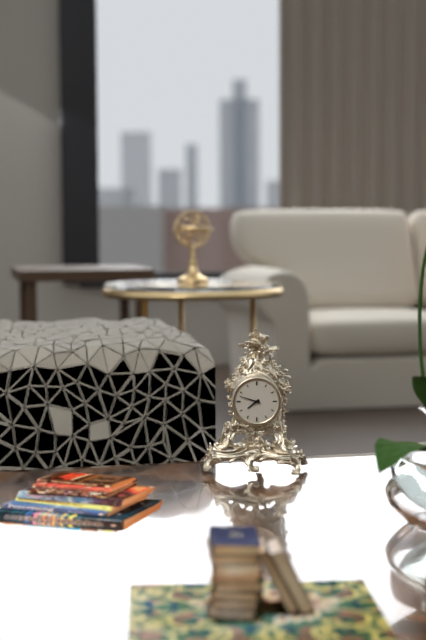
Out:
7 h 48 min
